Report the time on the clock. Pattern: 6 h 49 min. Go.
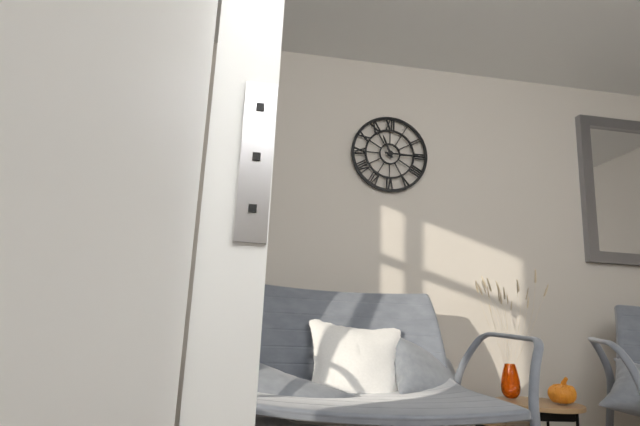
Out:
11 h 15 min
